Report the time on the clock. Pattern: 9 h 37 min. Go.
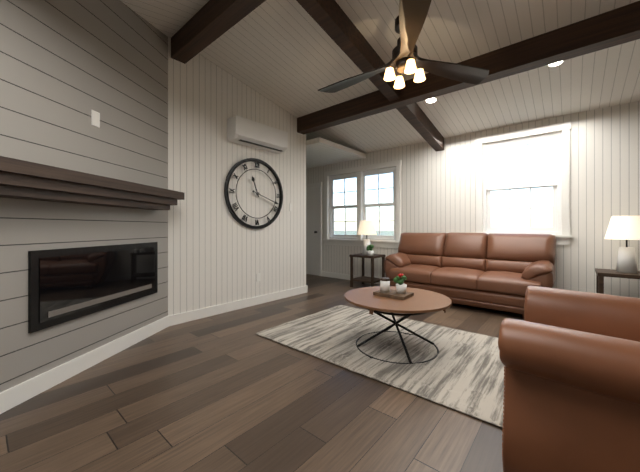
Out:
11 h 18 min
